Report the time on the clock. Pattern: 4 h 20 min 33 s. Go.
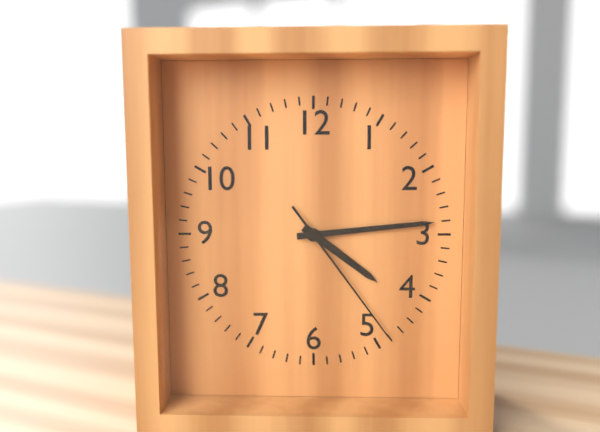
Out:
4 h 14 min 24 s
